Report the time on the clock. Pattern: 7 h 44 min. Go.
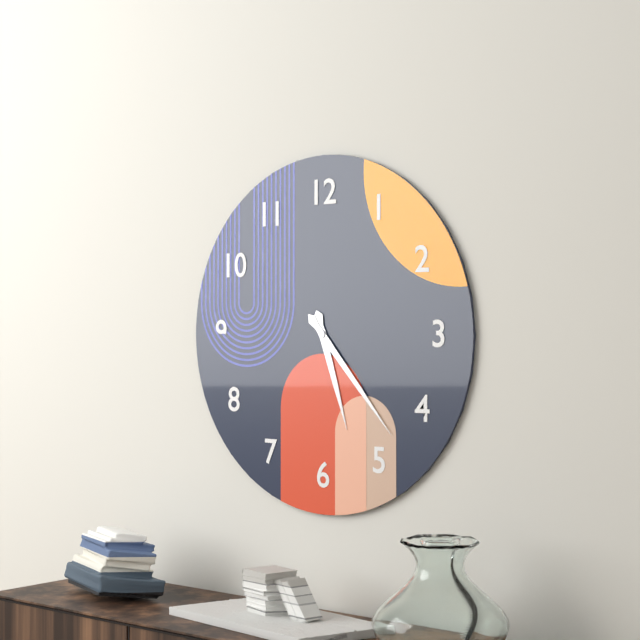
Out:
5 h 23 min
